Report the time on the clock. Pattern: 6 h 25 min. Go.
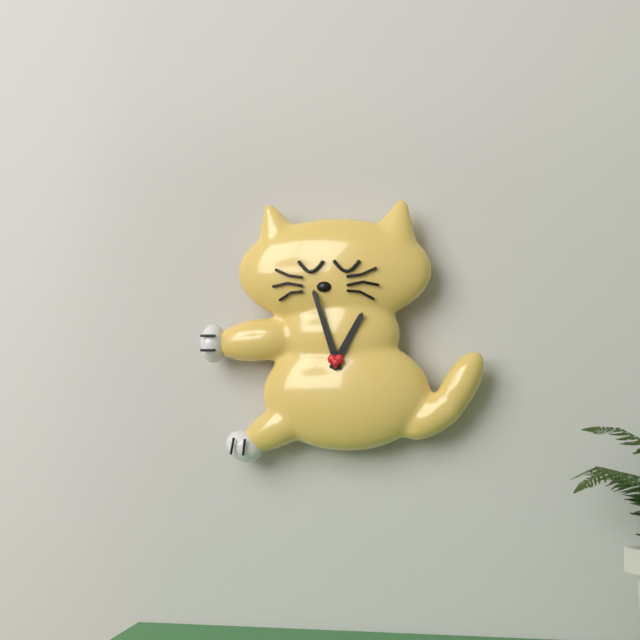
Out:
12 h 57 min
